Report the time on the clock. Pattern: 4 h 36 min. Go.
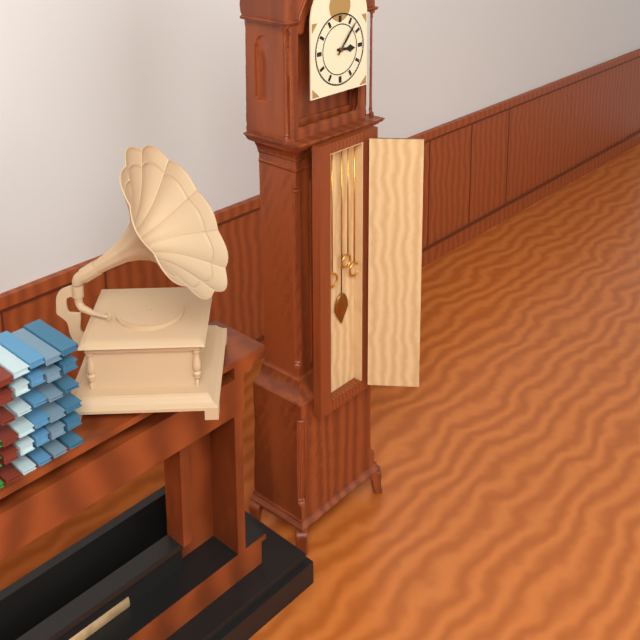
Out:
3 h 07 min
